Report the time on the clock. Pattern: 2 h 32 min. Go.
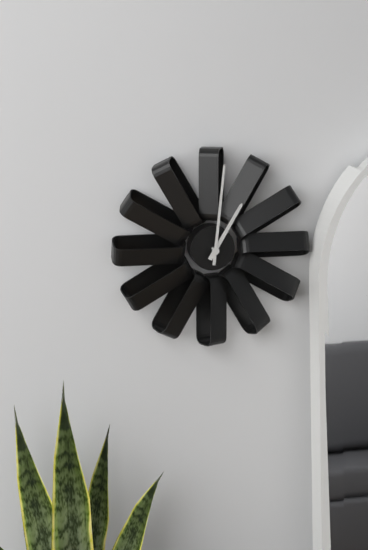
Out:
1 h 01 min
